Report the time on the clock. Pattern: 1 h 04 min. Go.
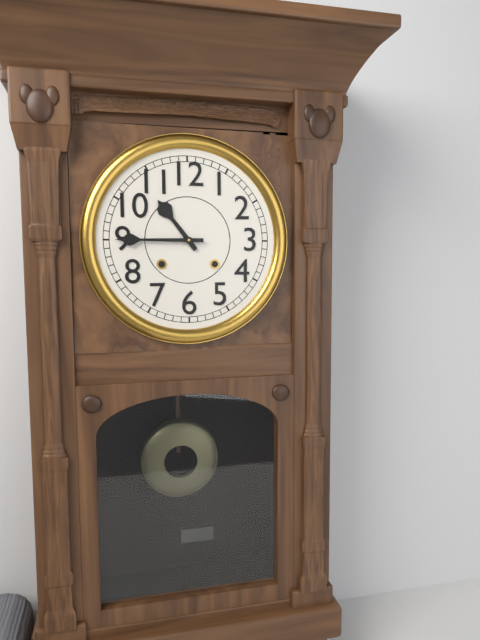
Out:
10 h 45 min
